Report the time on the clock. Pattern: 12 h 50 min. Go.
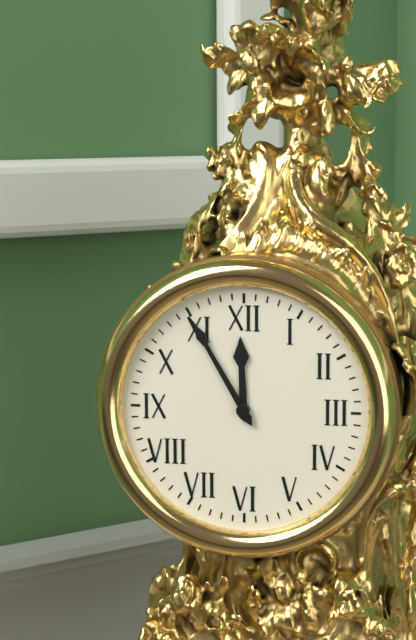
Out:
11 h 55 min
